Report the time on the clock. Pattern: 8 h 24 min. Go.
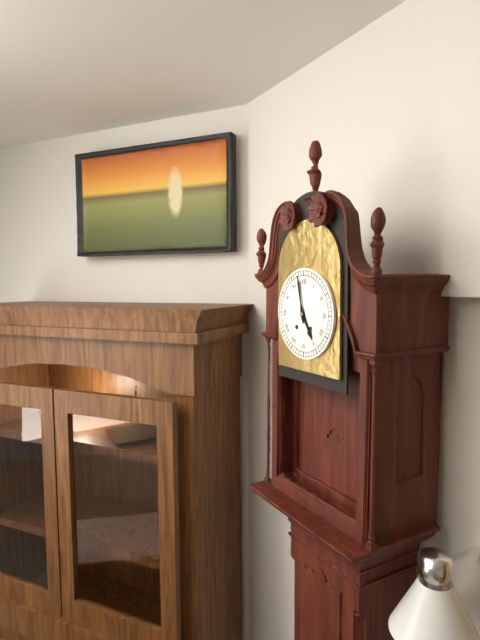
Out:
4 h 58 min
